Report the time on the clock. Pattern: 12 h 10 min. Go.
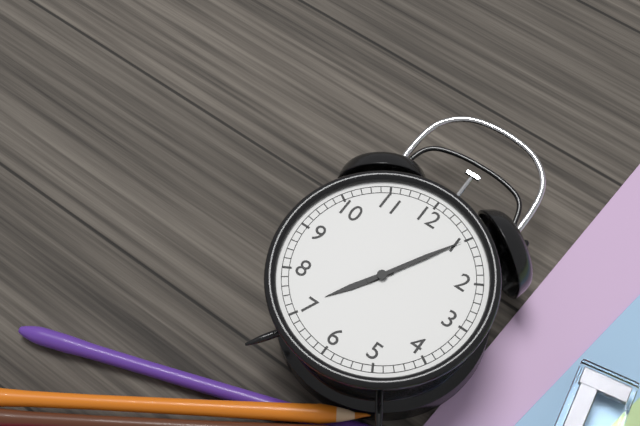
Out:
7 h 05 min
